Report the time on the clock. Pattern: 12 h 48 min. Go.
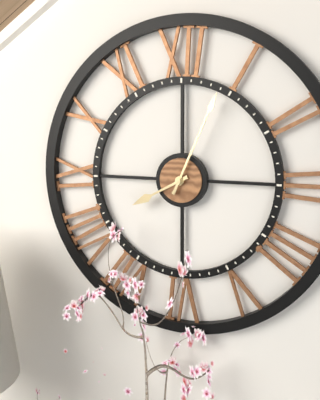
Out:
8 h 04 min
